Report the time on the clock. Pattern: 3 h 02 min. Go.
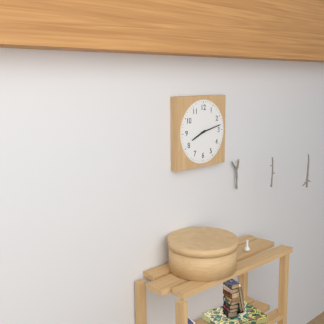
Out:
8 h 13 min
